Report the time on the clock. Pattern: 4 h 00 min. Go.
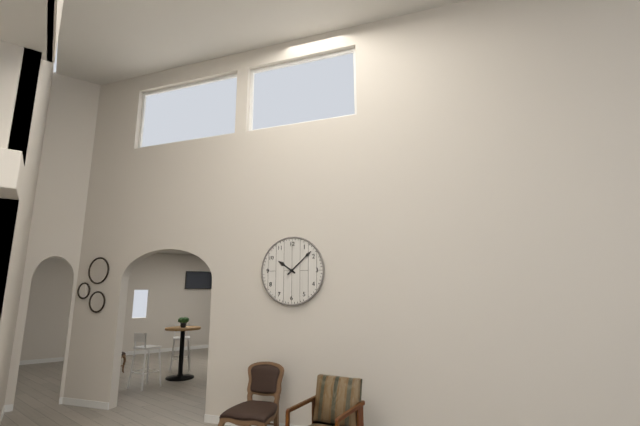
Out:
10 h 08 min
